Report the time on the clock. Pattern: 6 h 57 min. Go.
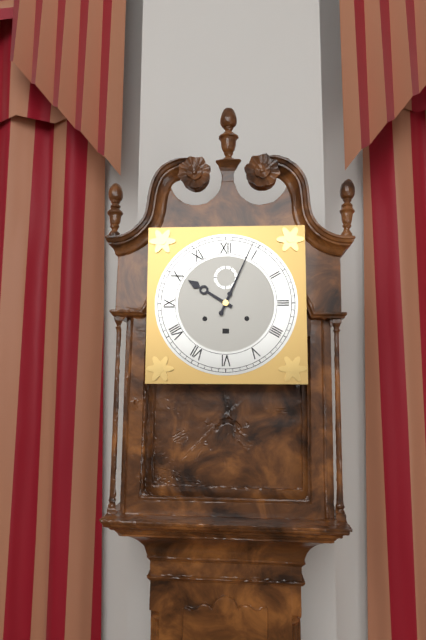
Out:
10 h 04 min
